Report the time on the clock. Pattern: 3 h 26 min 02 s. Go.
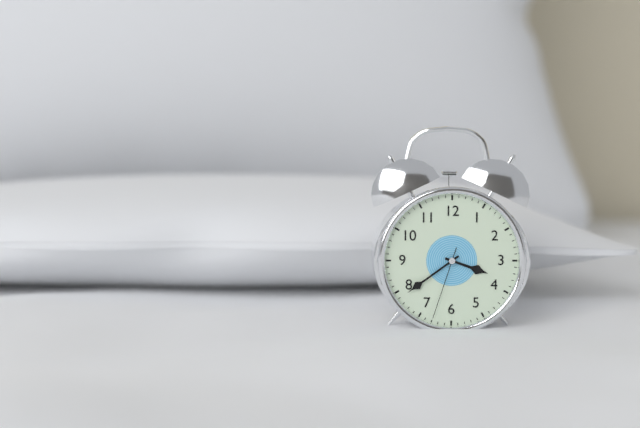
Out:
3 h 39 min 33 s
